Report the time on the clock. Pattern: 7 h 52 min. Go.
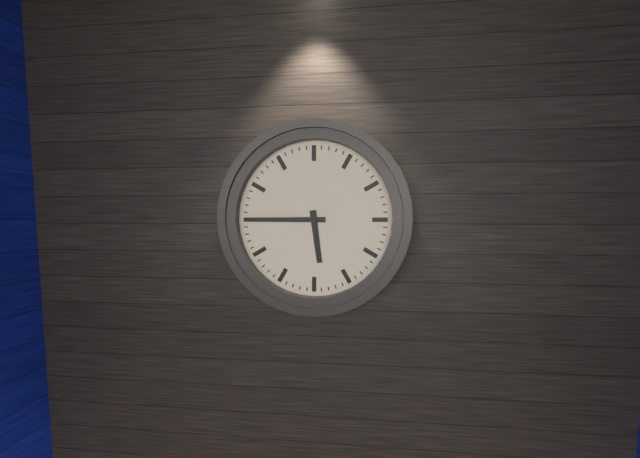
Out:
5 h 45 min
